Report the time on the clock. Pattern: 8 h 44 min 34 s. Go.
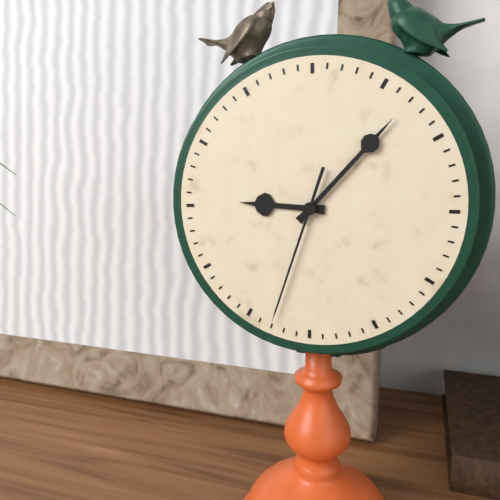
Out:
9 h 07 min 33 s
